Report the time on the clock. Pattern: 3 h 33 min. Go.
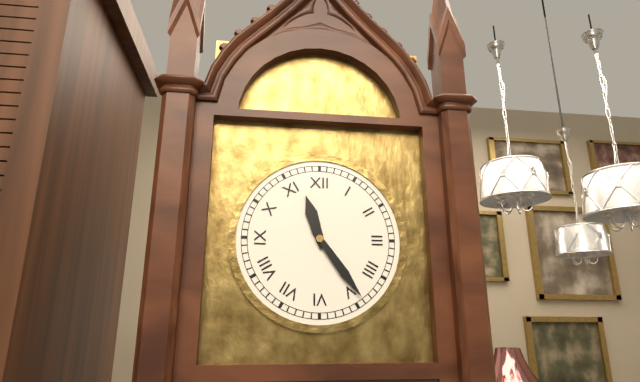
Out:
11 h 24 min
